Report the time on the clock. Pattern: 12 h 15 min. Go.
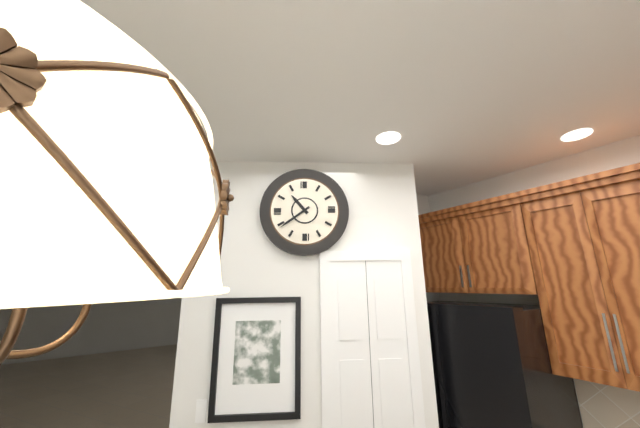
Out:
10 h 39 min
